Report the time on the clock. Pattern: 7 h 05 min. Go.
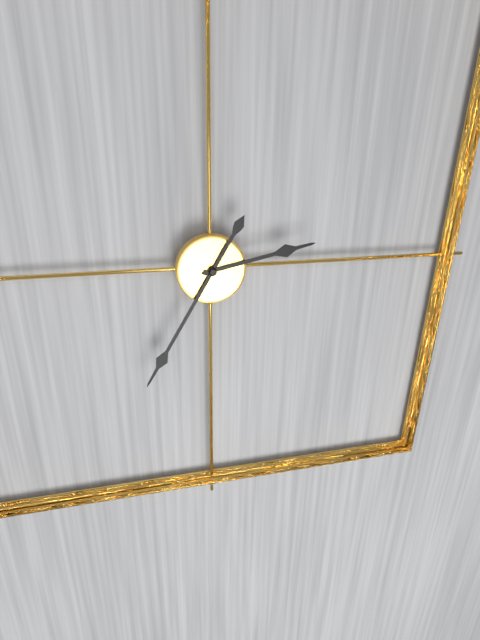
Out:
2 h 35 min
